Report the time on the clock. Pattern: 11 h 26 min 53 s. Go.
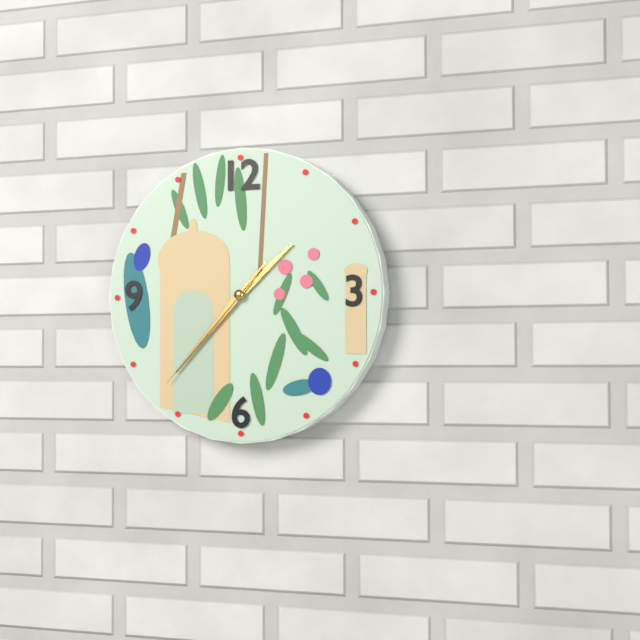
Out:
1 h 37 min 37 s
